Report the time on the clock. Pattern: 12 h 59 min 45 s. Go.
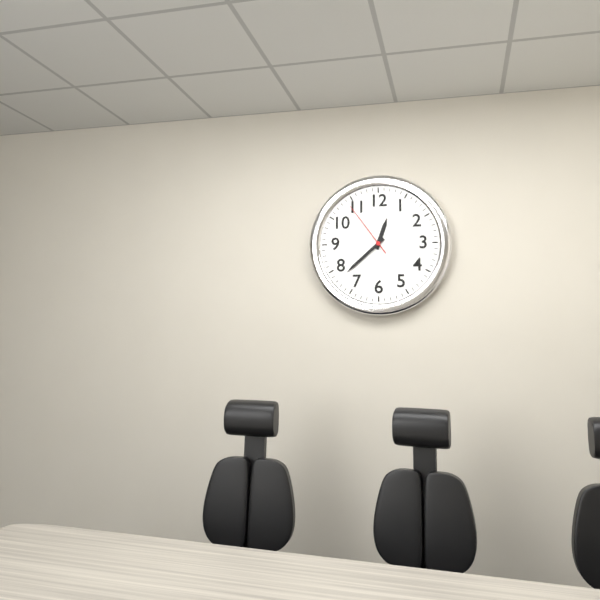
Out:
12 h 38 min 54 s
